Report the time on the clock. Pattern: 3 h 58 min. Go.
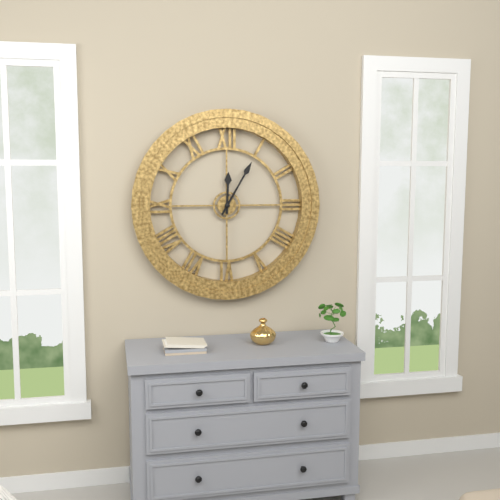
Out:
12 h 05 min
